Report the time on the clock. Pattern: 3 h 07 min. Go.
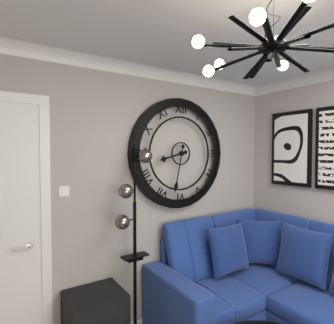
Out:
8 h 32 min
